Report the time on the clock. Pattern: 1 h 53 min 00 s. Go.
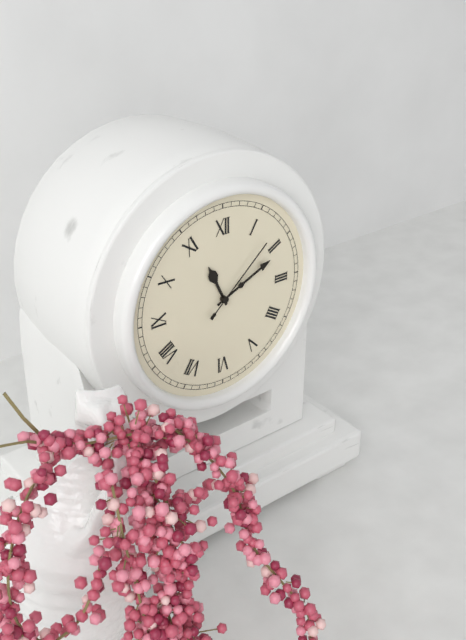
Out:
11 h 11 min 08 s
